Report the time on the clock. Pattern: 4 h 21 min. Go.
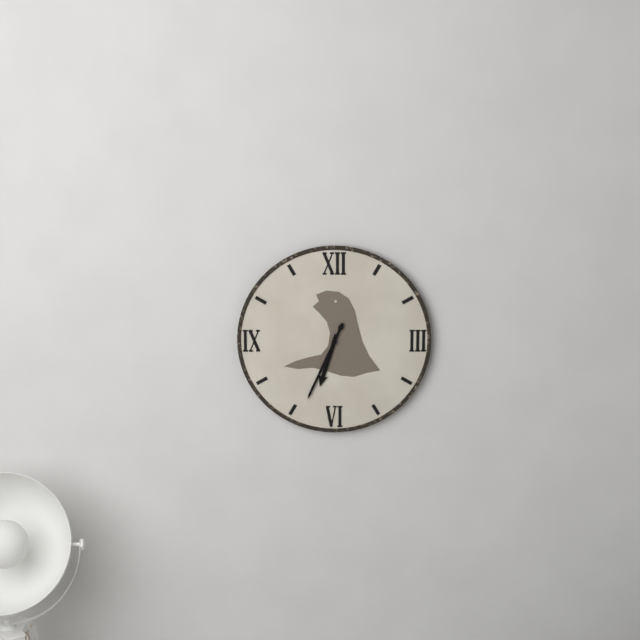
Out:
6 h 34 min
